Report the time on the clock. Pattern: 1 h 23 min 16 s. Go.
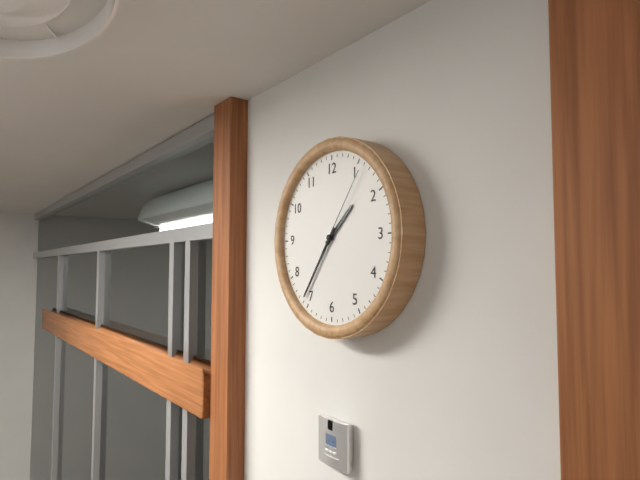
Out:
1 h 36 min 06 s
